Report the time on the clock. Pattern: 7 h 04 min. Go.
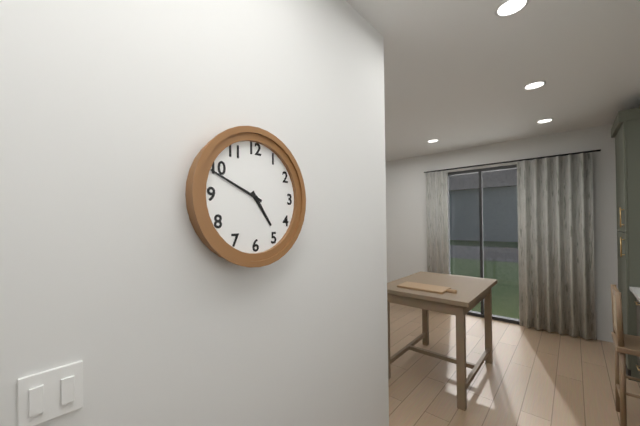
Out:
4 h 49 min
